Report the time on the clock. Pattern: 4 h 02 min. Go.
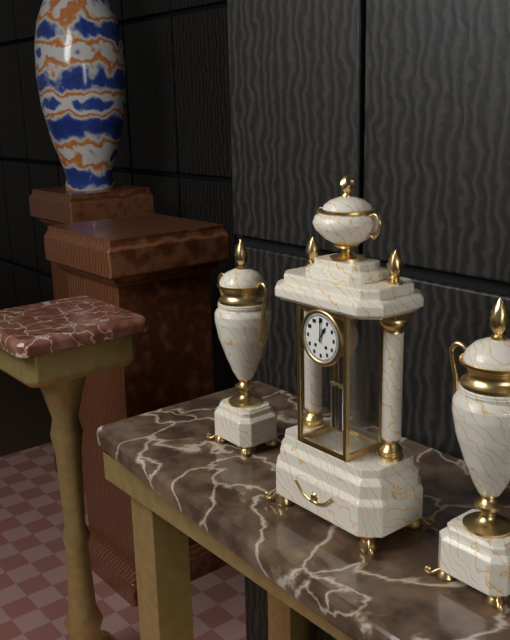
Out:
1 h 00 min
